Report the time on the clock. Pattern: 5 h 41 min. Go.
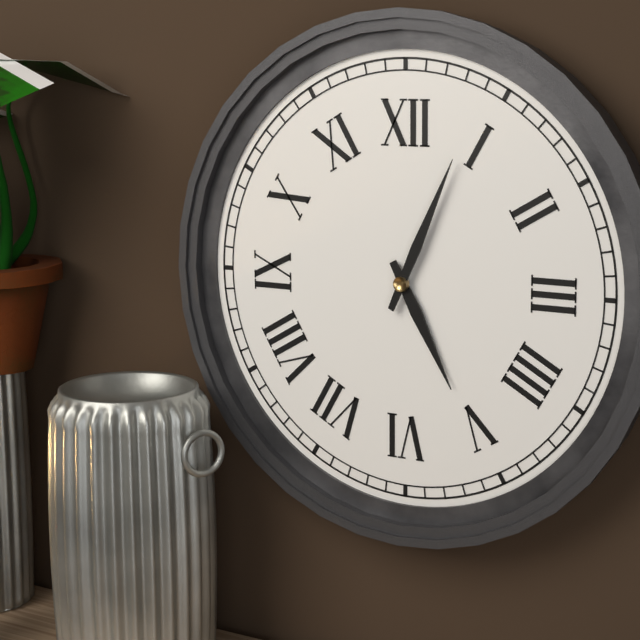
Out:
5 h 04 min
